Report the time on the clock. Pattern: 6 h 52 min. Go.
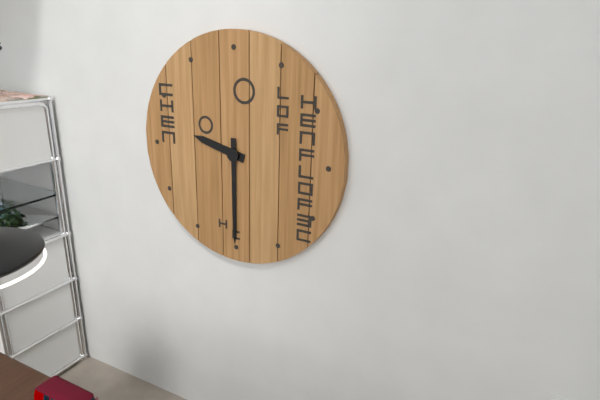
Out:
9 h 30 min
